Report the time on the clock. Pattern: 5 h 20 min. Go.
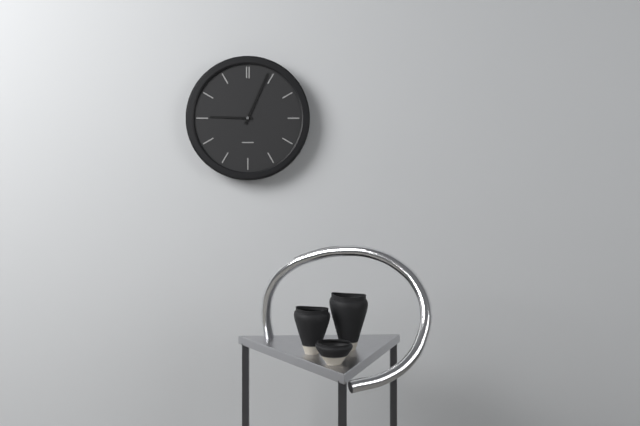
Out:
9 h 04 min
